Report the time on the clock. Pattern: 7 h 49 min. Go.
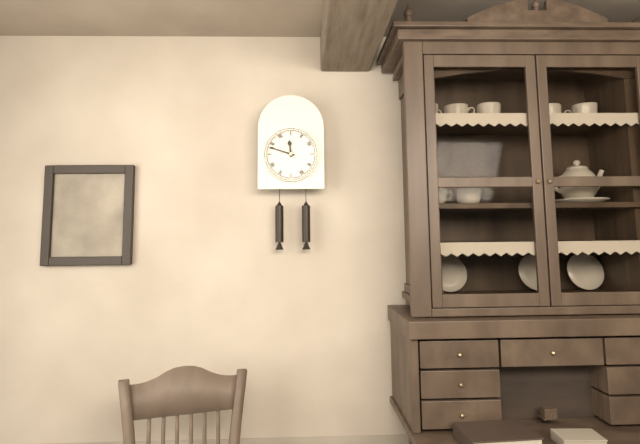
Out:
11 h 48 min
